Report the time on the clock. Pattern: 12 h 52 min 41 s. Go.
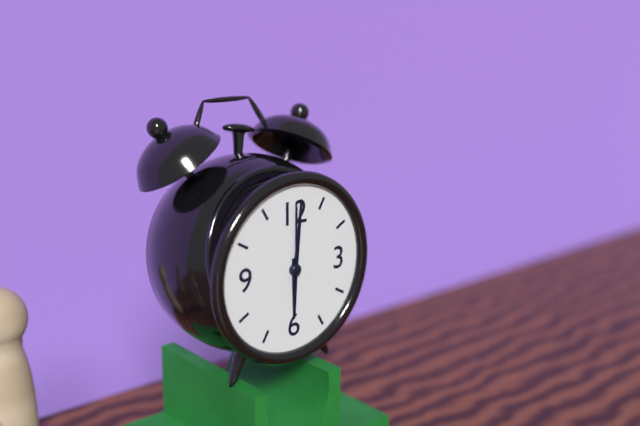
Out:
6 h 01 min 00 s
